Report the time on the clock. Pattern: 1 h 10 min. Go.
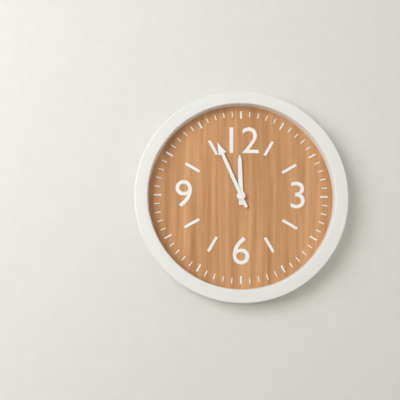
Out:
11 h 56 min
